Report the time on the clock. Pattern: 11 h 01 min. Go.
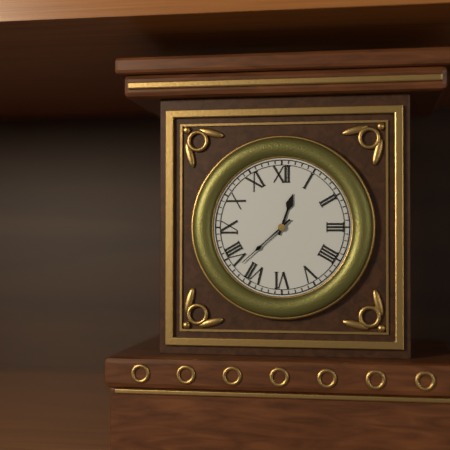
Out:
12 h 38 min
